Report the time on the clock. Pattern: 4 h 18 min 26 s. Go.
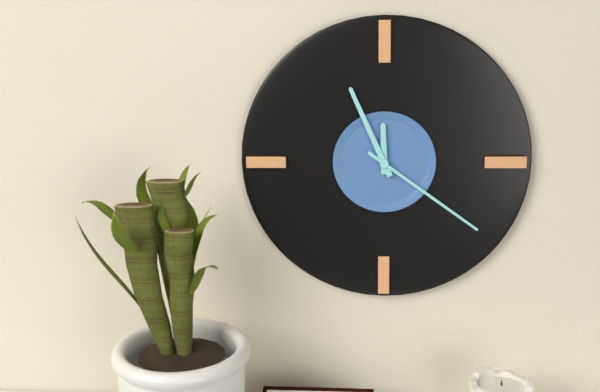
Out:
11 h 56 min 21 s
